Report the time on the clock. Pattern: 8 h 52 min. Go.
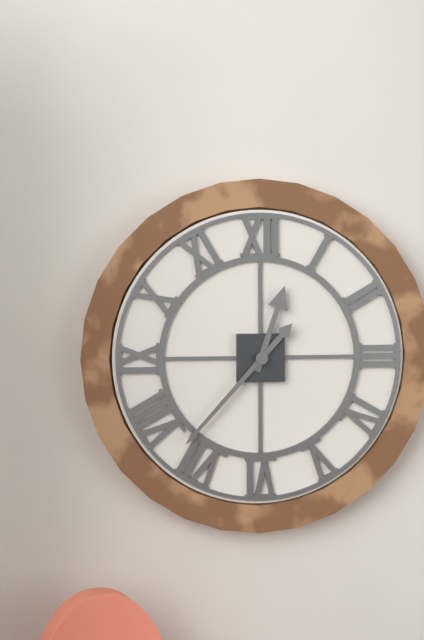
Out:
12 h 37 min
